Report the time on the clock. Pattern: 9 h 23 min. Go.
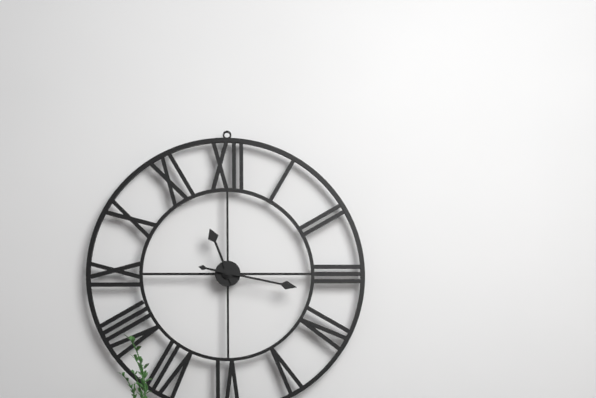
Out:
11 h 17 min
